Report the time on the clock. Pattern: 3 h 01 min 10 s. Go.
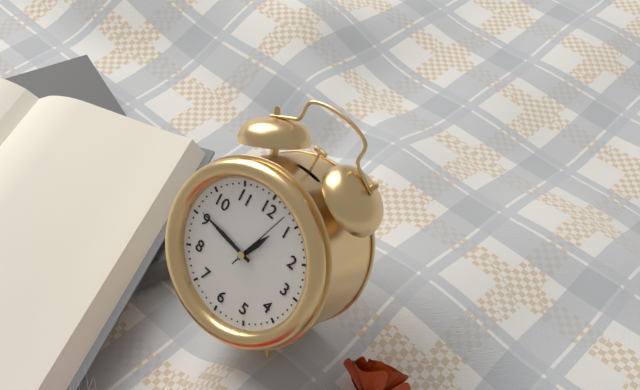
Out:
12 h 46 min 03 s
